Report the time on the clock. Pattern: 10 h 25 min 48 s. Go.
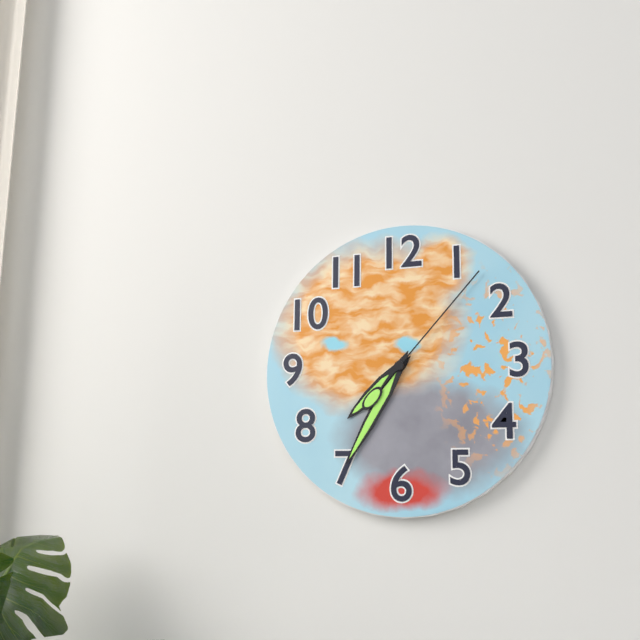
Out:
7 h 35 min 07 s
